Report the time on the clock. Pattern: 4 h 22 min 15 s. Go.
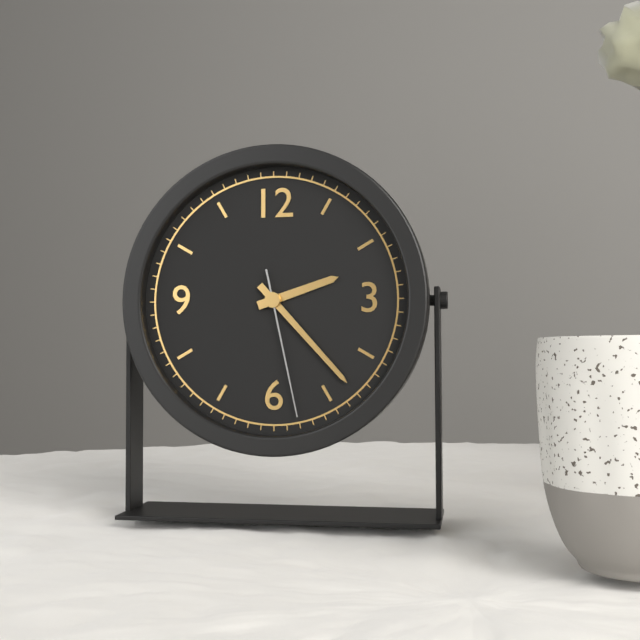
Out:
2 h 23 min 28 s
